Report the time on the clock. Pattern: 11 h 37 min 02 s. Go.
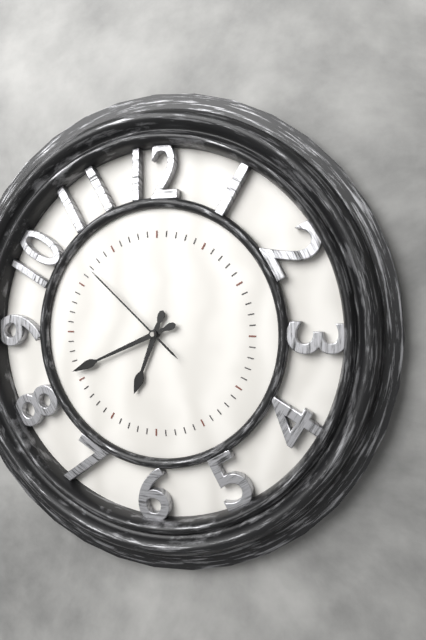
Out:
6 h 41 min 52 s
